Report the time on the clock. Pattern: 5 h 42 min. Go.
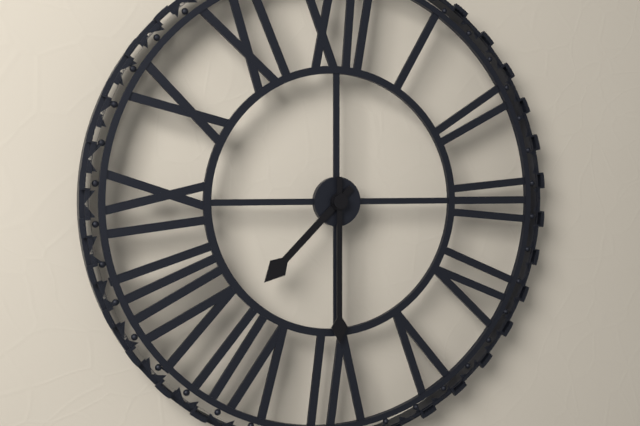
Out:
7 h 30 min
